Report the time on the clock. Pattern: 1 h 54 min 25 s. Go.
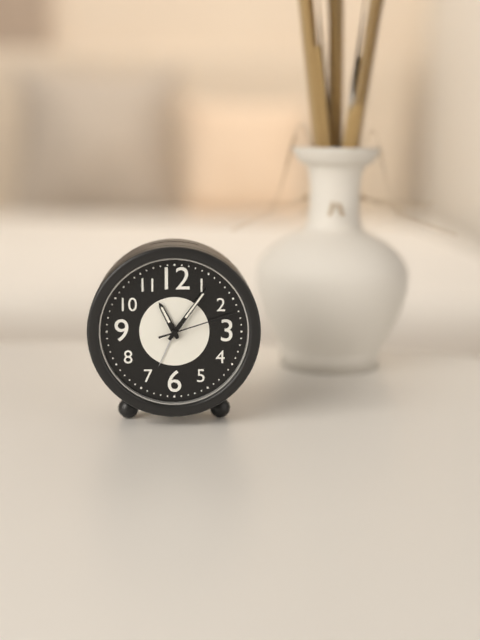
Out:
11 h 06 min 12 s
